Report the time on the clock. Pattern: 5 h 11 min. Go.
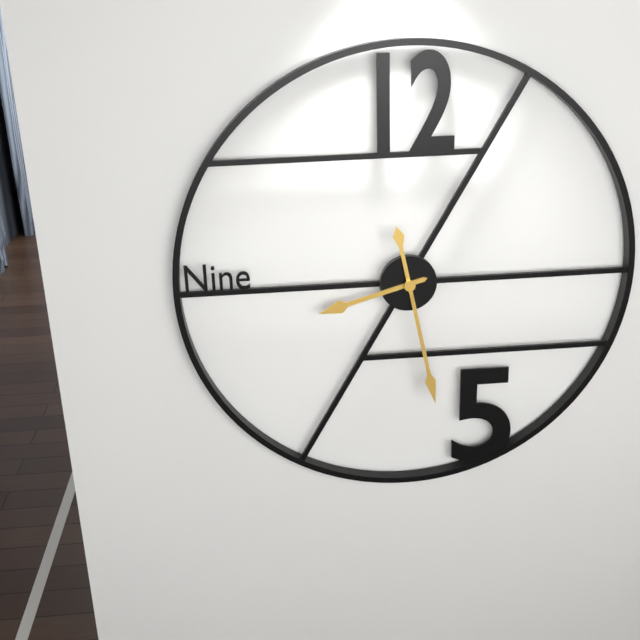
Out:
8 h 28 min
